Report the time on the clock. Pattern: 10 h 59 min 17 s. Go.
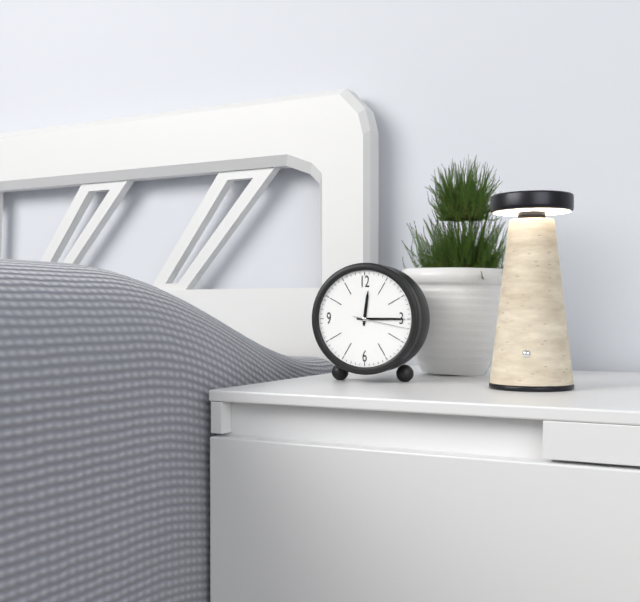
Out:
12 h 15 min 17 s
